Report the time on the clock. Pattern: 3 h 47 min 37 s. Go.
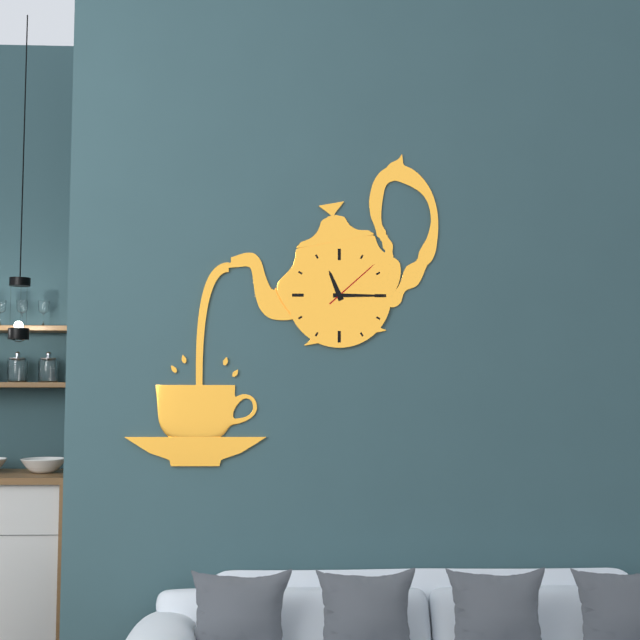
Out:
11 h 15 min 08 s
